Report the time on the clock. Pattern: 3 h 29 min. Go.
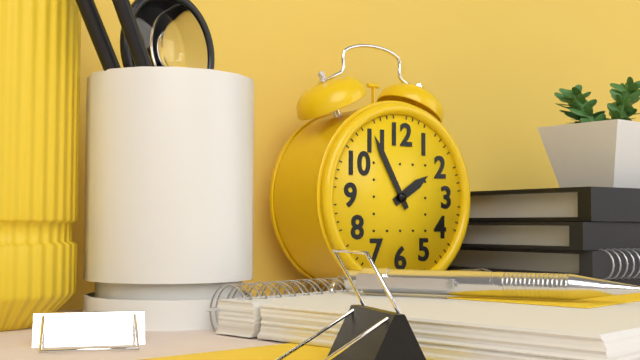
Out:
1 h 55 min
